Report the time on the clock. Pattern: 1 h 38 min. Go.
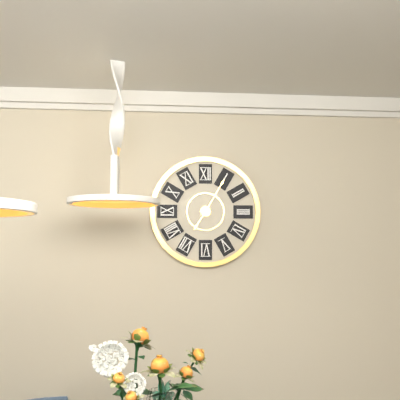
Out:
7 h 05 min
